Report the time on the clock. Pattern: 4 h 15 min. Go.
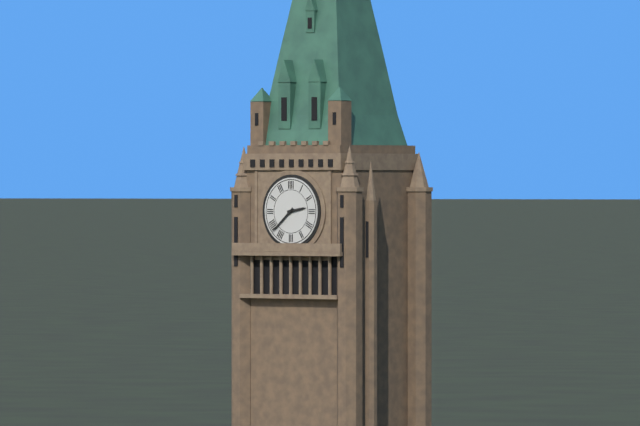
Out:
2 h 38 min
